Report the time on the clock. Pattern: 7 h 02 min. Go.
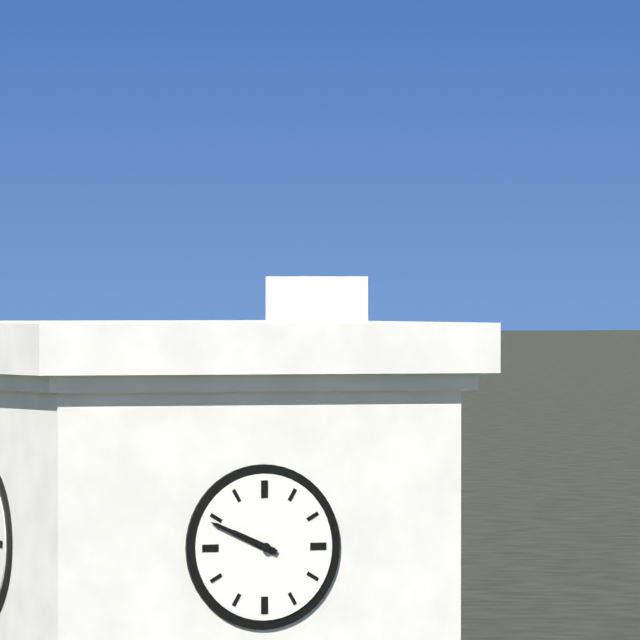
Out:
9 h 49 min
